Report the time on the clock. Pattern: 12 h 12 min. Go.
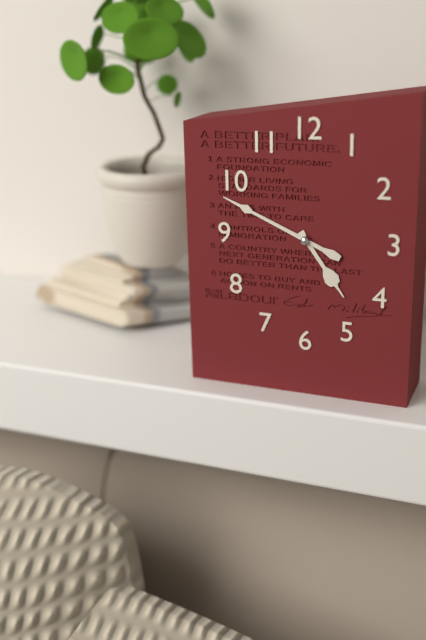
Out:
4 h 49 min
